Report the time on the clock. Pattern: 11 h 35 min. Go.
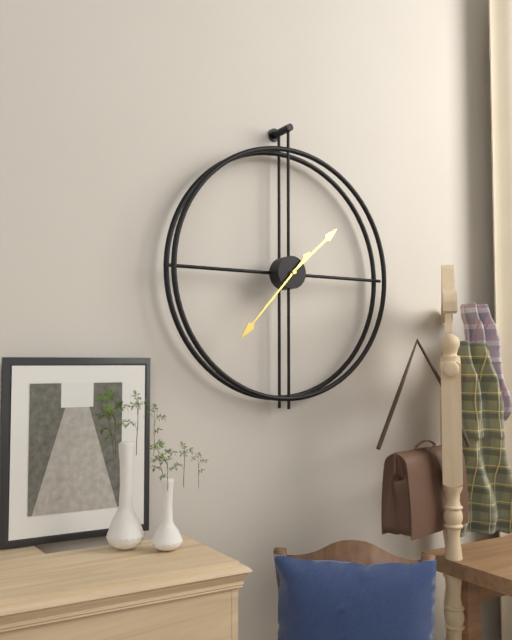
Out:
1 h 37 min
